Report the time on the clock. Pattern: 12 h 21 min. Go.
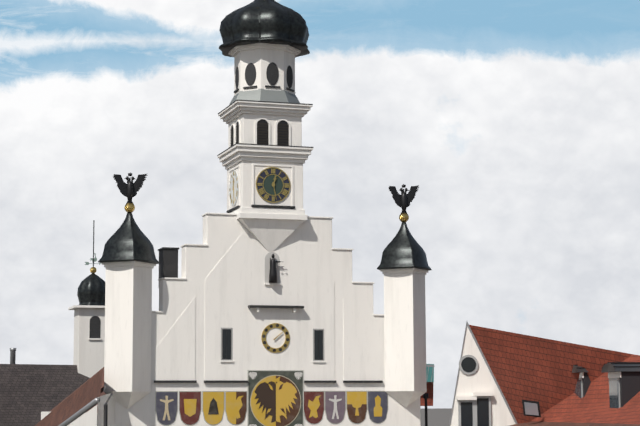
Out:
12 h 28 min
